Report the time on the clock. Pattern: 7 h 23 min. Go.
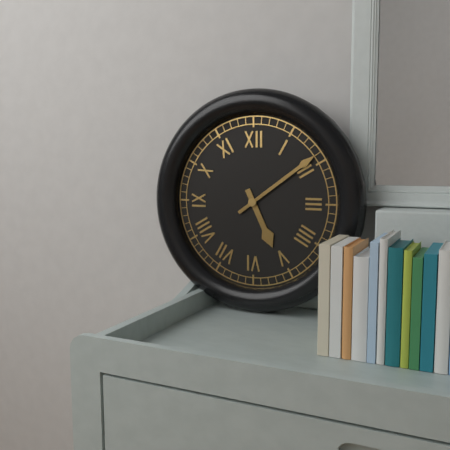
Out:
5 h 09 min
